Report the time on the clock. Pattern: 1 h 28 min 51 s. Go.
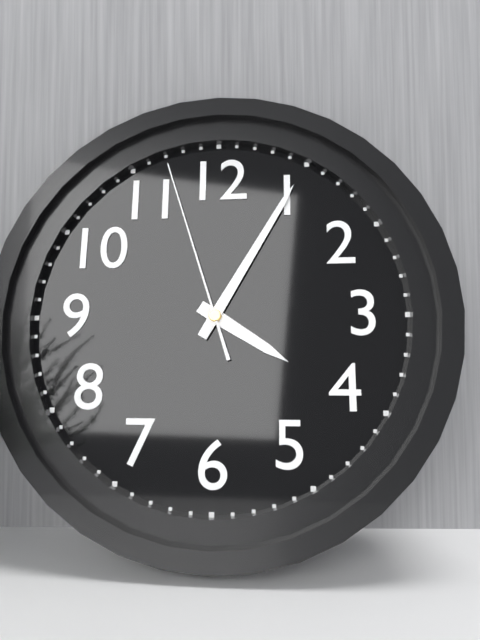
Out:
4 h 05 min 57 s
